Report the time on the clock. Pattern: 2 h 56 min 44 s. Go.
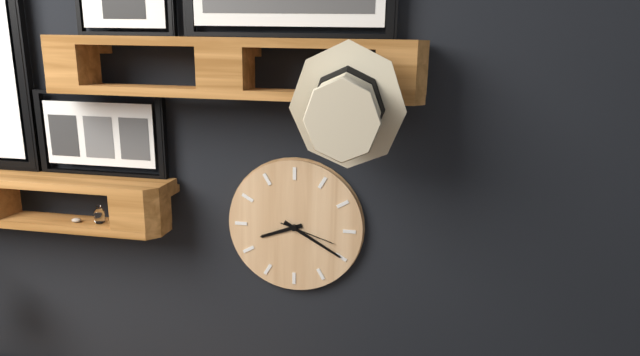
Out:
8 h 20 min 18 s
